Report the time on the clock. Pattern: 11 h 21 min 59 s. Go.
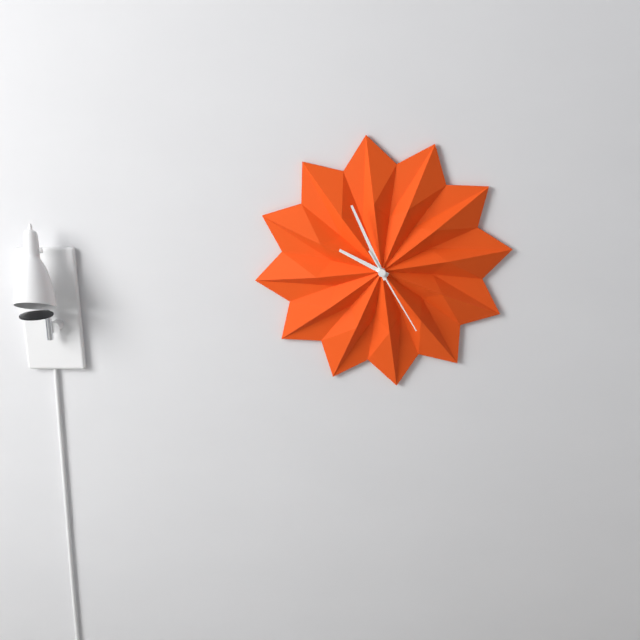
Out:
9 h 56 min 25 s
